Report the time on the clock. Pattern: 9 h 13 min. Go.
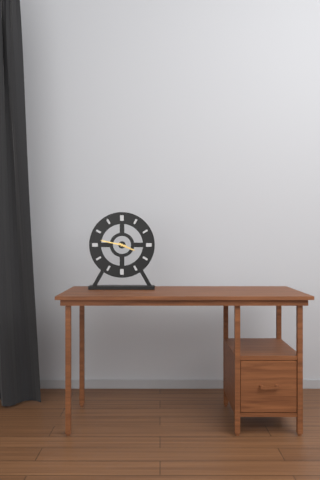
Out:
3 h 47 min
